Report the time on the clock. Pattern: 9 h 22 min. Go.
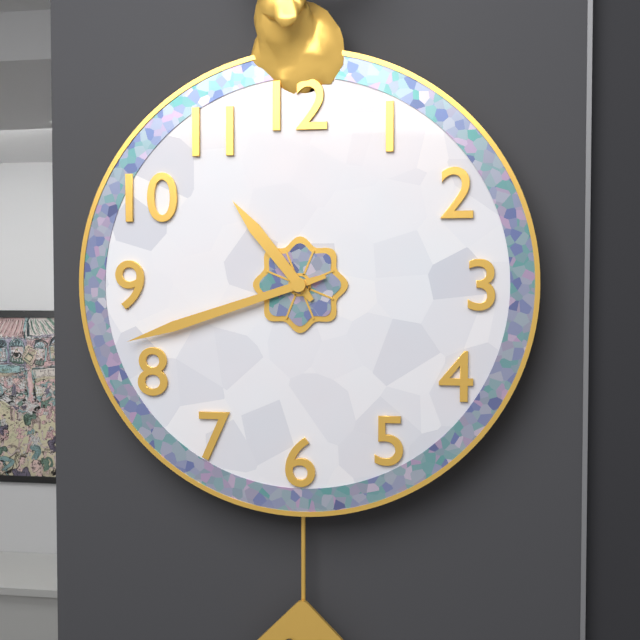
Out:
10 h 42 min
